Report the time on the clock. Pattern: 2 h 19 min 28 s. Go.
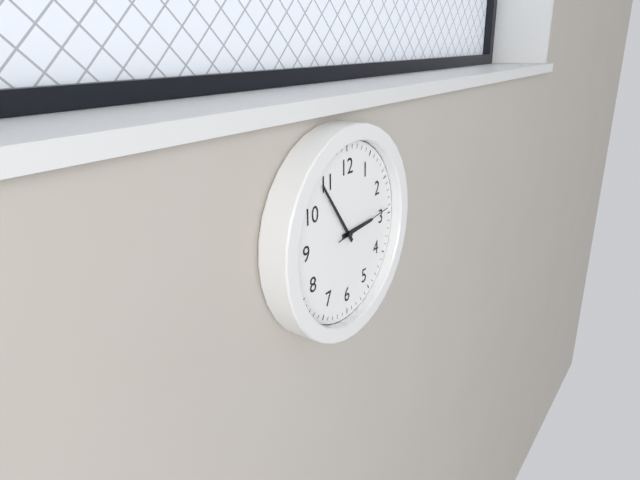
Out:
2 h 54 min 14 s
